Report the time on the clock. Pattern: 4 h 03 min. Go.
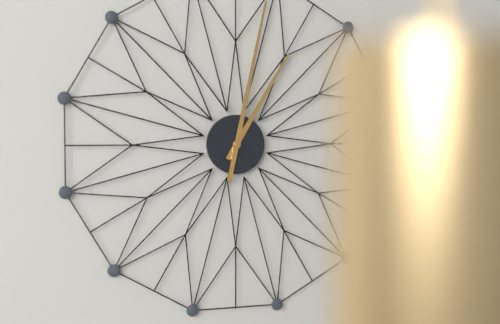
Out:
1 h 02 min
